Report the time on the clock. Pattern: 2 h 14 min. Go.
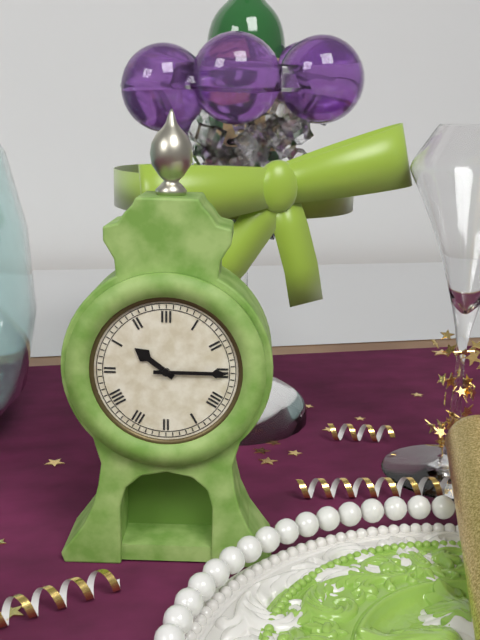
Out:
10 h 15 min
